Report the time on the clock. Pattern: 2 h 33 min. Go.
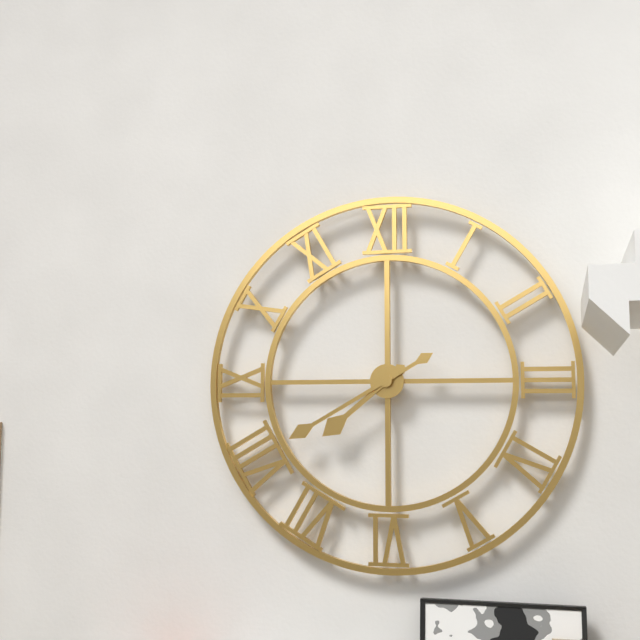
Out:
7 h 40 min
